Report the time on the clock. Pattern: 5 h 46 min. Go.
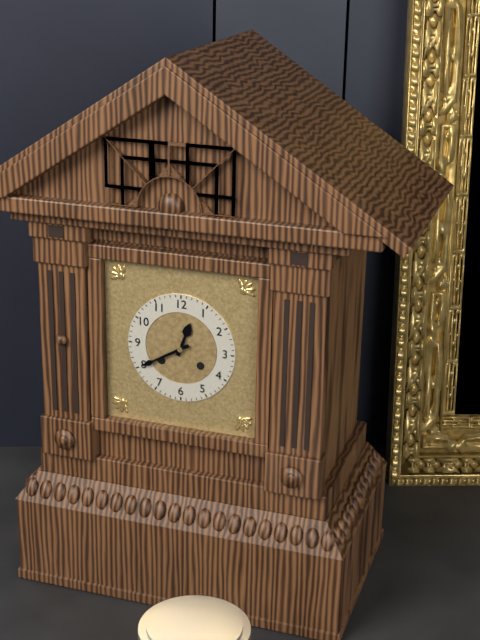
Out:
12 h 40 min
